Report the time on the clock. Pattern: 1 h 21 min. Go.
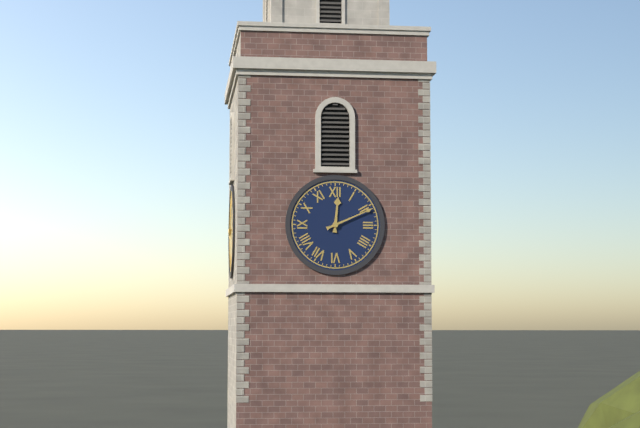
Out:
12 h 11 min
